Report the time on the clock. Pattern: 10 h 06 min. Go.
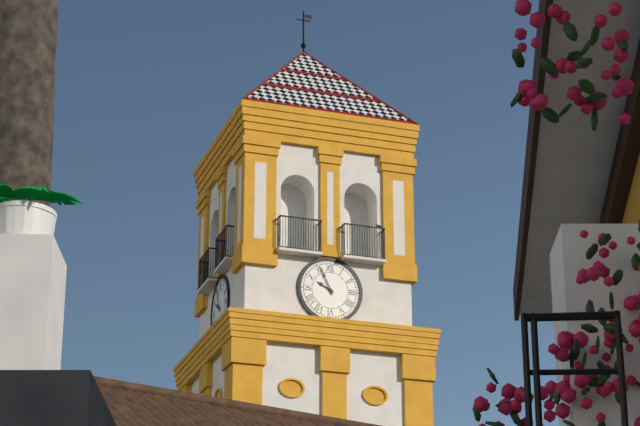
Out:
9 h 56 min
